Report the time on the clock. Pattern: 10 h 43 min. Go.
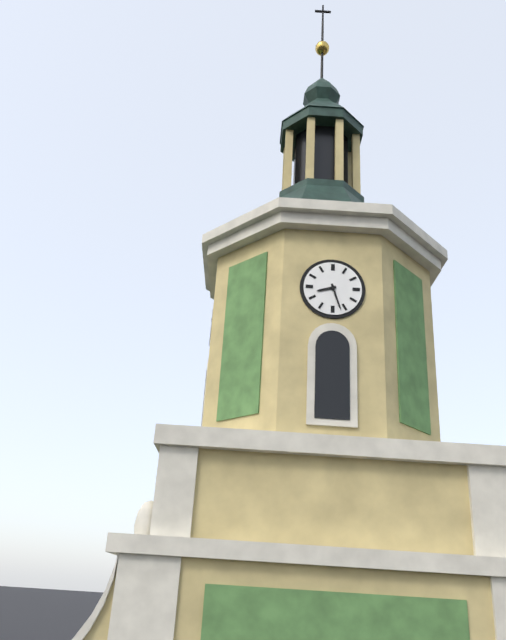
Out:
8 h 27 min
